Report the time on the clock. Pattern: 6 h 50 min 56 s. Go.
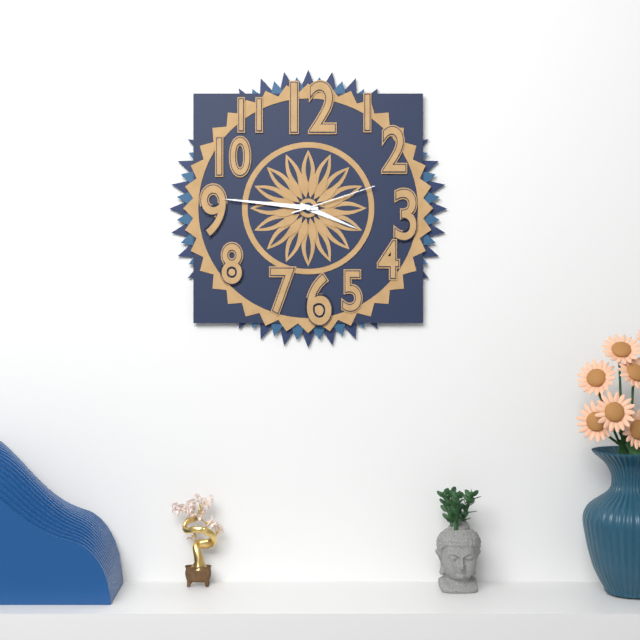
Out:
3 h 46 min 12 s
